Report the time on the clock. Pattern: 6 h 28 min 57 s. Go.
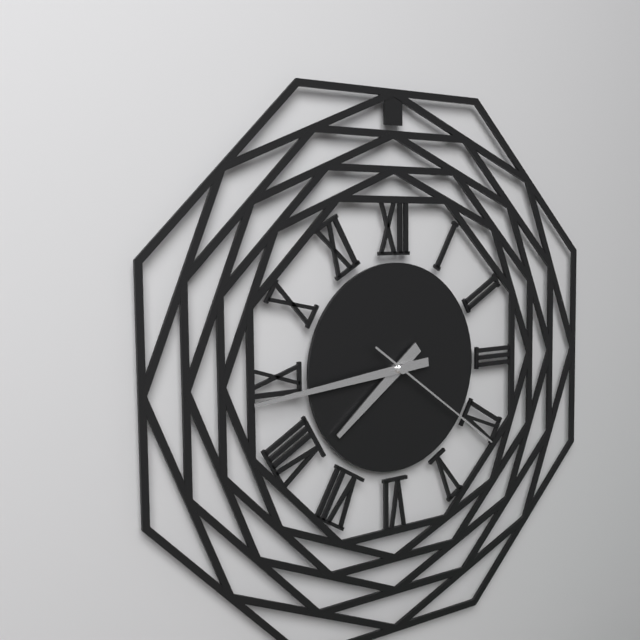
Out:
7 h 44 min 21 s
